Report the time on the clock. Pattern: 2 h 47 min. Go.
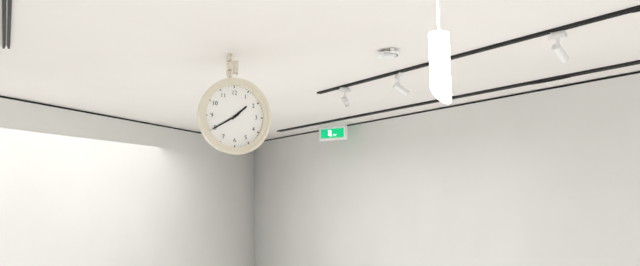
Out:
1 h 40 min
